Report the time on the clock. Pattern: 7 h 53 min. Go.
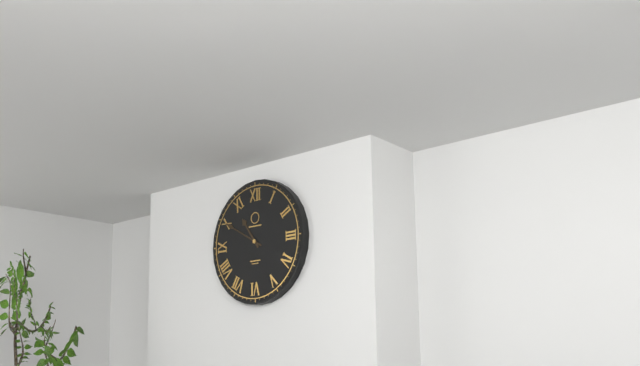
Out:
10 h 50 min
